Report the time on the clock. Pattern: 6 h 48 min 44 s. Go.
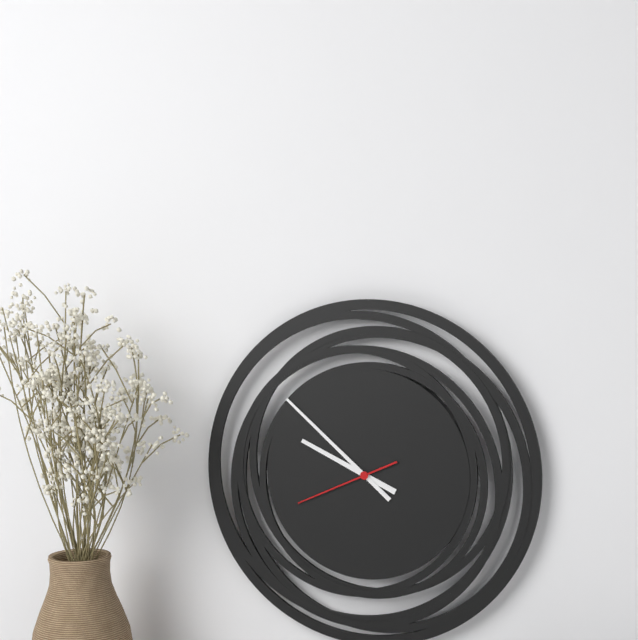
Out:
9 h 52 min 41 s
